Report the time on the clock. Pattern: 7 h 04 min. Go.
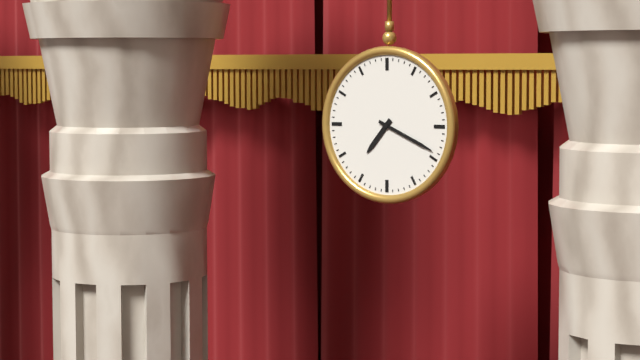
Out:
7 h 19 min
